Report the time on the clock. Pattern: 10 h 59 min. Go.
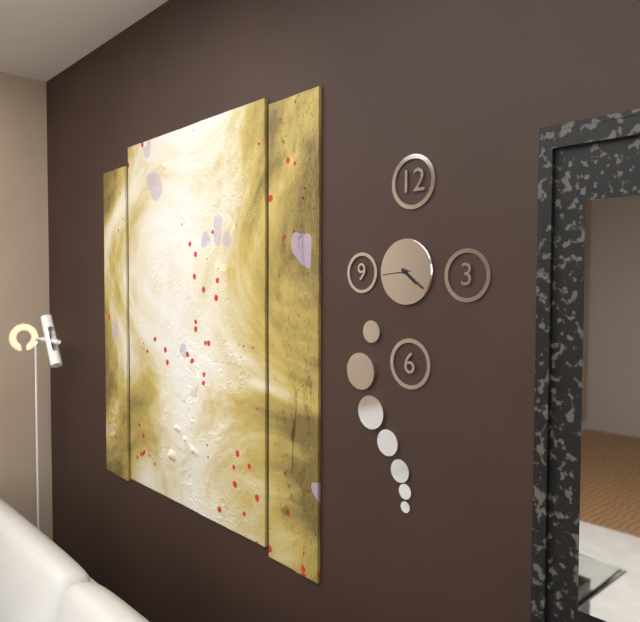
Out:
4 h 21 min
